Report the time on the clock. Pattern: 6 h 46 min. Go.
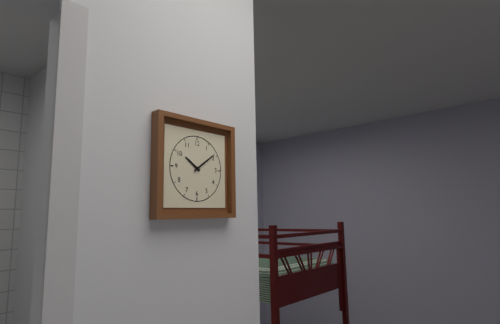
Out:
10 h 09 min
